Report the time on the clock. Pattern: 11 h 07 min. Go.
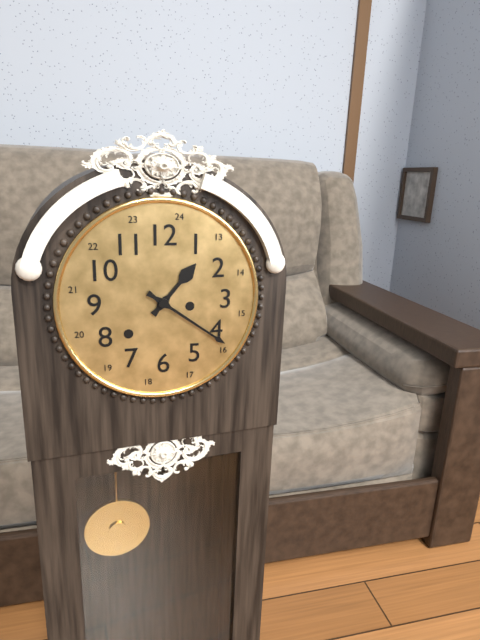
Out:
1 h 21 min
